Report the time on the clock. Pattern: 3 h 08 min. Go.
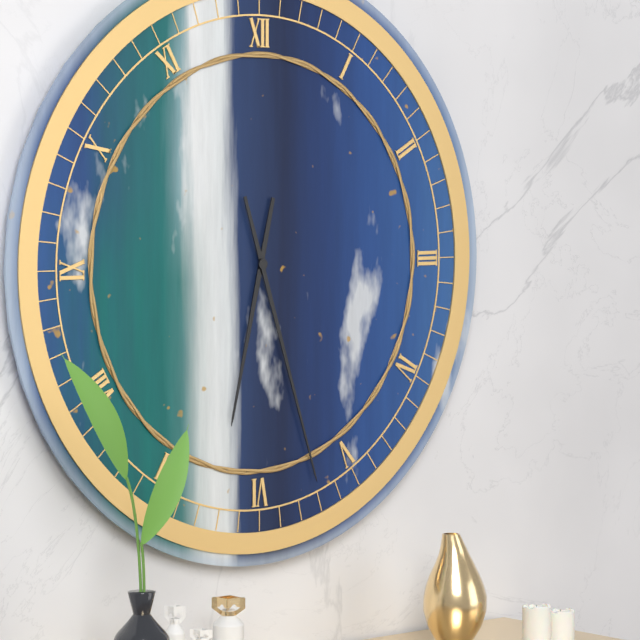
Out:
6 h 27 min
